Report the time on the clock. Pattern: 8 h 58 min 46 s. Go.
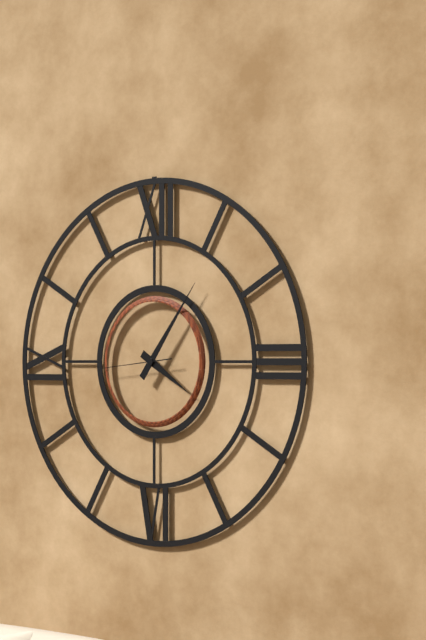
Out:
4 h 06 min 44 s
